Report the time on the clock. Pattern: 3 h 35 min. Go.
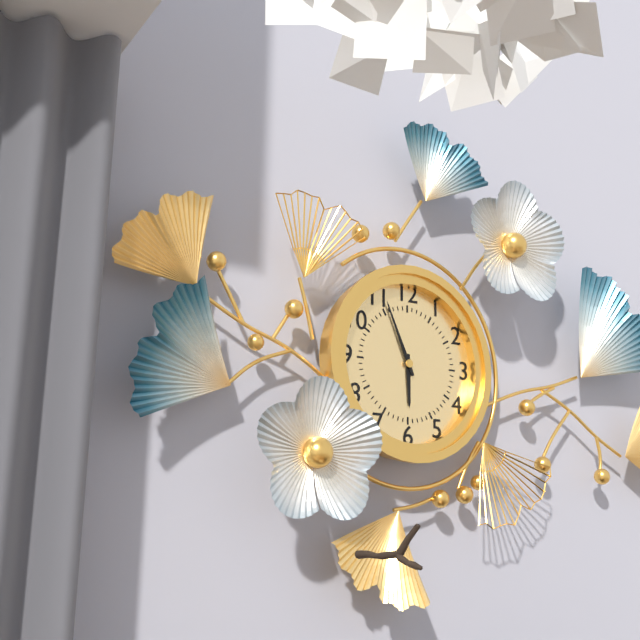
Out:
5 h 56 min
